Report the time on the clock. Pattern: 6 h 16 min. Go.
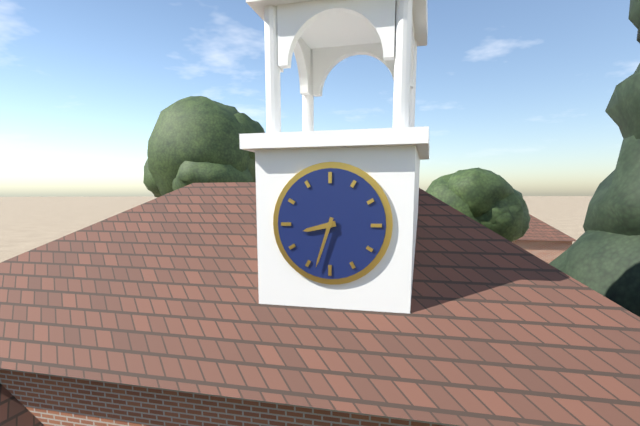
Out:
8 h 33 min
